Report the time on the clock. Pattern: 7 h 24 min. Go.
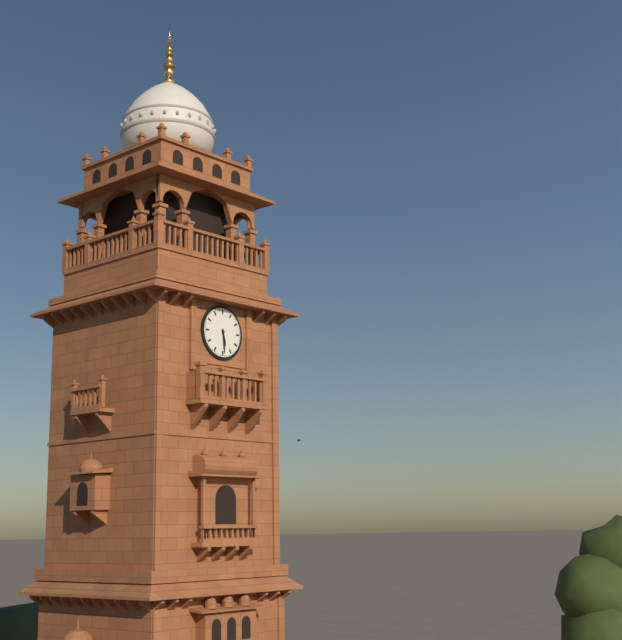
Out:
5 h 29 min
